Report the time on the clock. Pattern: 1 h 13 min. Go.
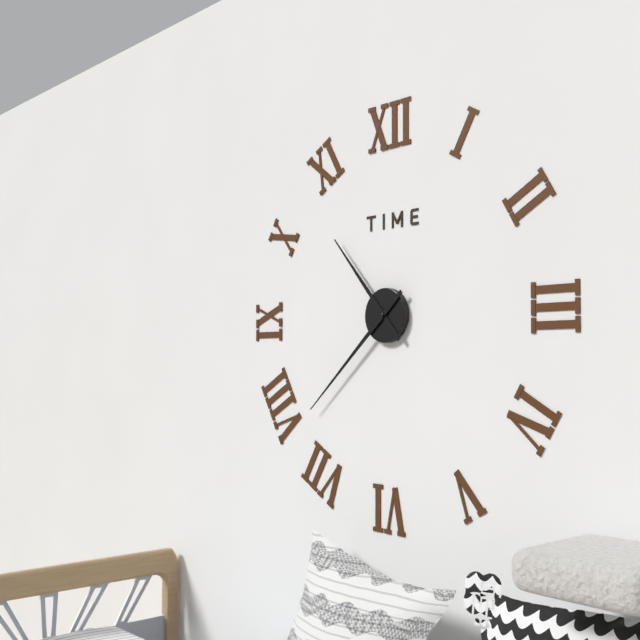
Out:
10 h 38 min
